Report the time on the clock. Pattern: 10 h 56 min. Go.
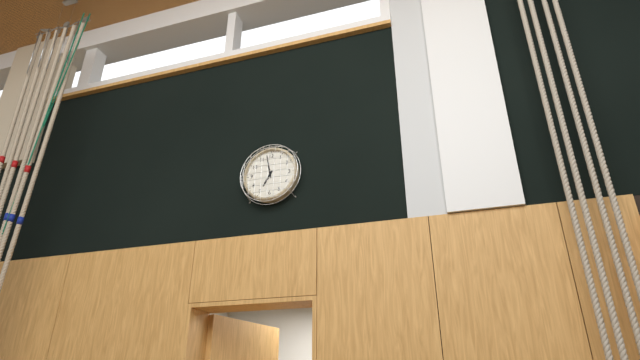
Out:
6 h 58 min
